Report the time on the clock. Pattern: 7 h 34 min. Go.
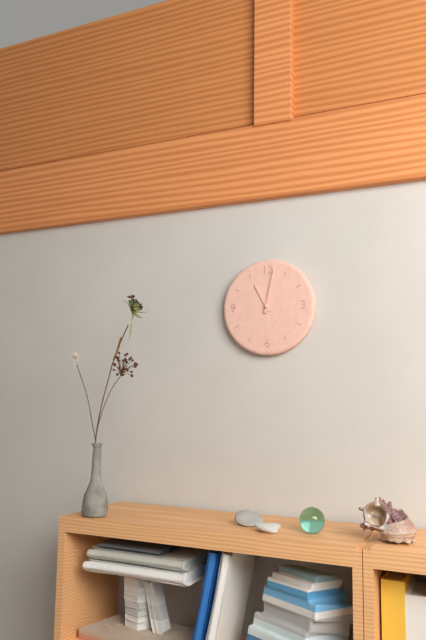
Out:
11 h 02 min
